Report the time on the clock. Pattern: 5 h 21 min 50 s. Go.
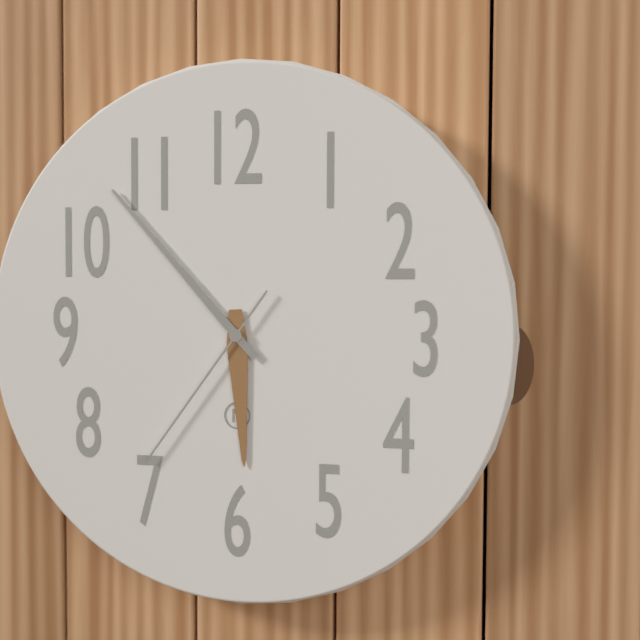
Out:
5 h 53 min 36 s
